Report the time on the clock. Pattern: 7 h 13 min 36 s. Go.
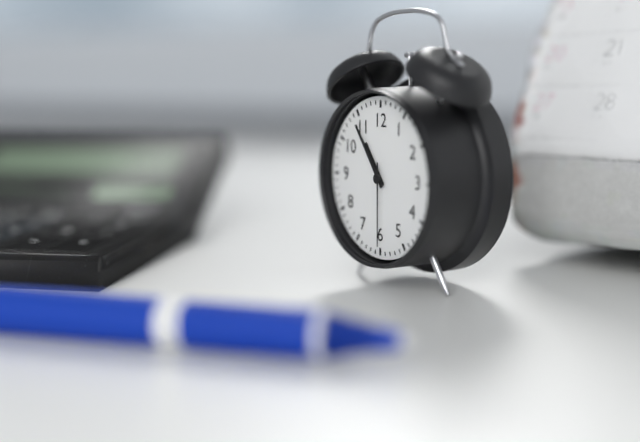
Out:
10 h 54 min 30 s
